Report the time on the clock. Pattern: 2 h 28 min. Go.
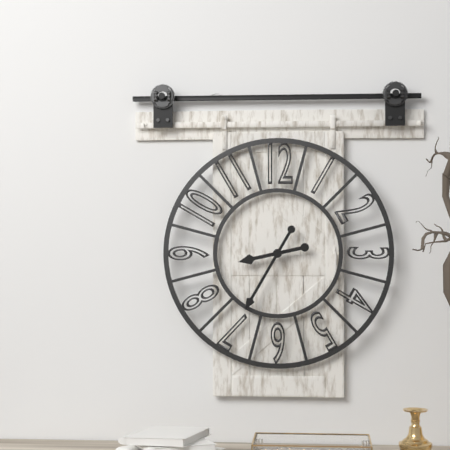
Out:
8 h 35 min
